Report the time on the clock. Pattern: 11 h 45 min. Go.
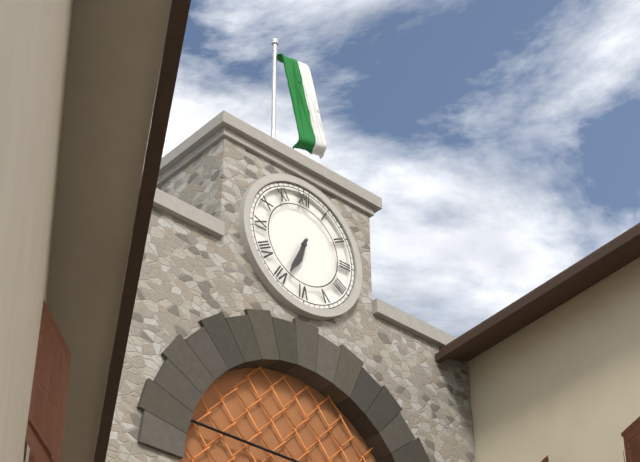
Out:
6 h 34 min
